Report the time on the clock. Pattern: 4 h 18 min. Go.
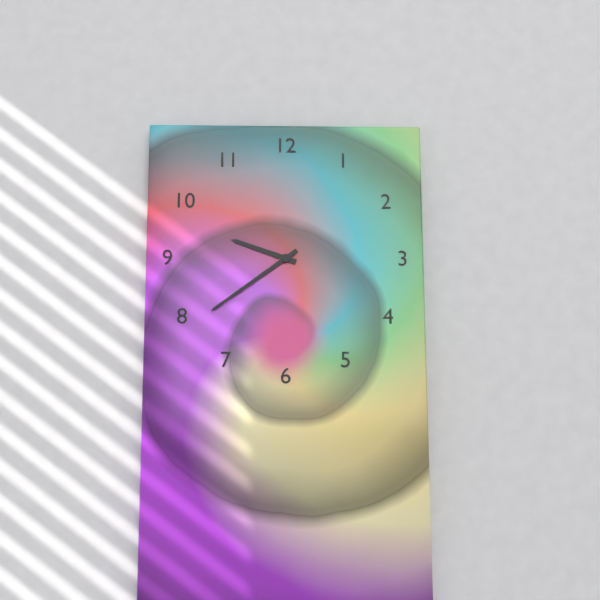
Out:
9 h 39 min
